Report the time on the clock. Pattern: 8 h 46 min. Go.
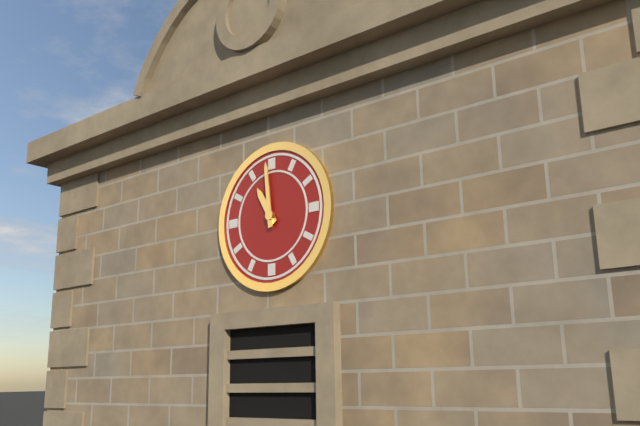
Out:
10 h 59 min
